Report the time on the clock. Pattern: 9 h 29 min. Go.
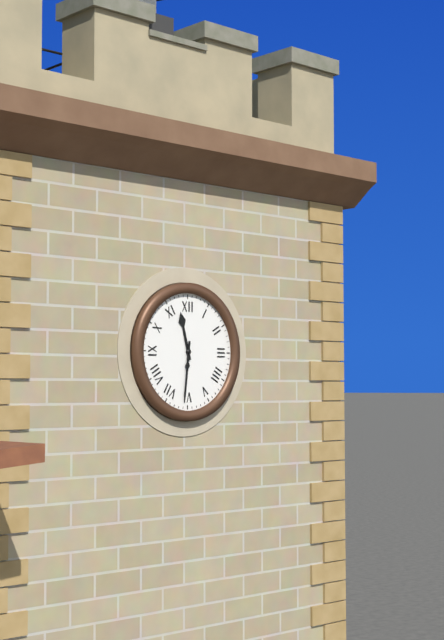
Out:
11 h 31 min
